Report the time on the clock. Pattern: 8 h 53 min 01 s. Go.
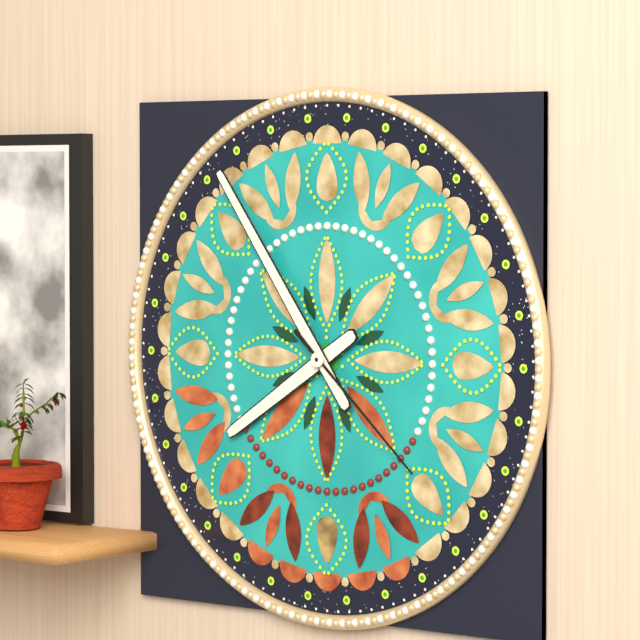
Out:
7 h 54 min 22 s
